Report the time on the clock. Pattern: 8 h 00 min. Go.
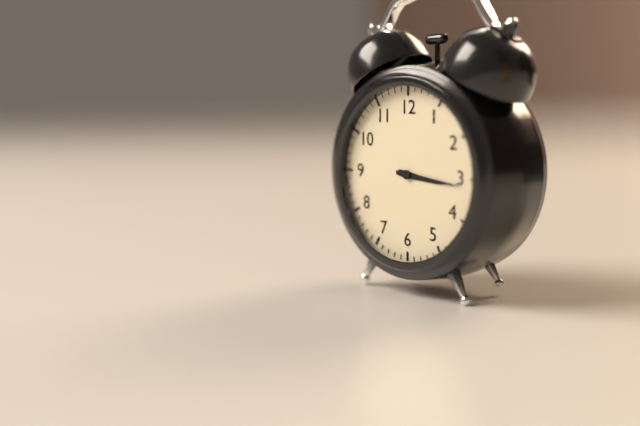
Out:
3 h 16 min
